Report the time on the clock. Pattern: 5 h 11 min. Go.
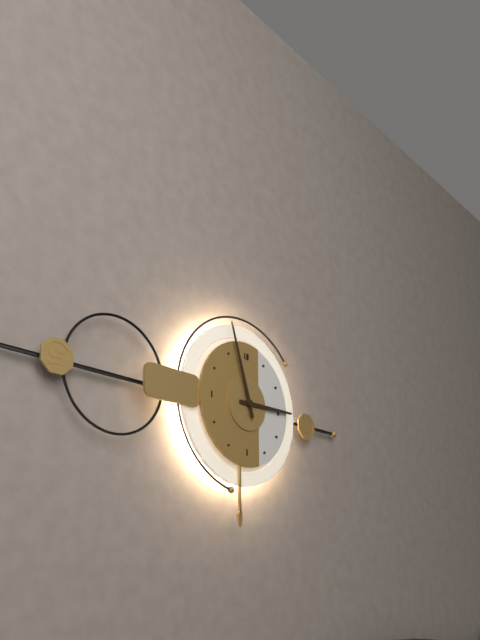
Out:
2 h 57 min
